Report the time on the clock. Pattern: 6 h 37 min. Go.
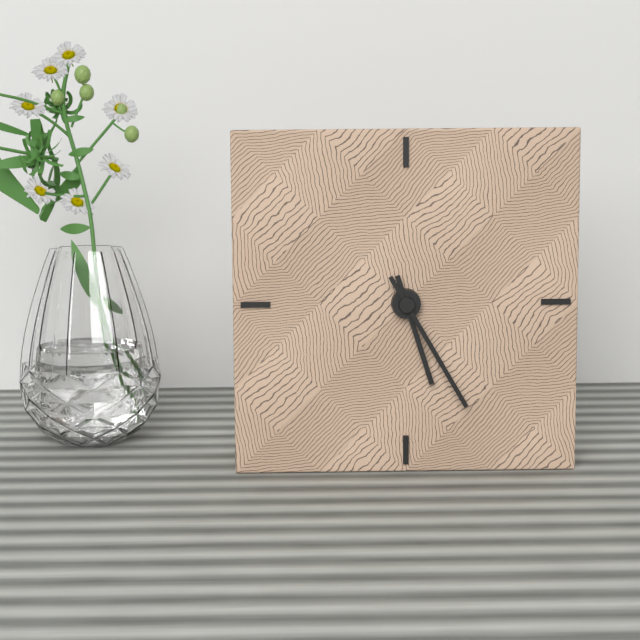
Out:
5 h 25 min
